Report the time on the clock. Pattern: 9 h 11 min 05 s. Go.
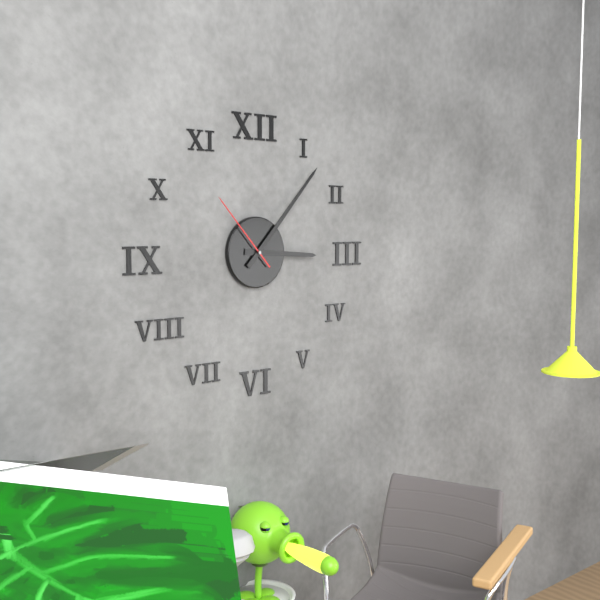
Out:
3 h 07 min 53 s
